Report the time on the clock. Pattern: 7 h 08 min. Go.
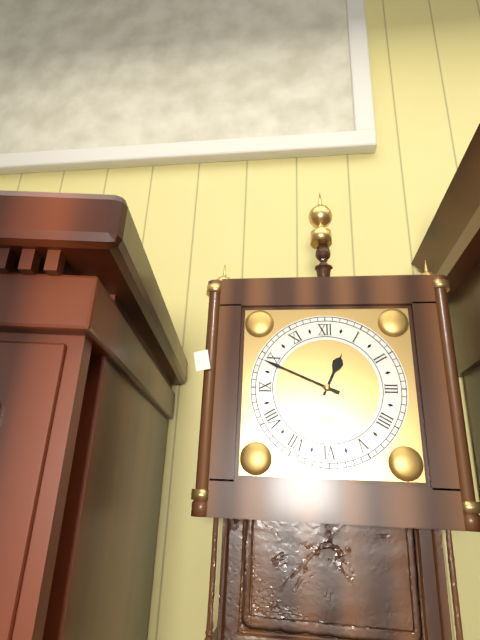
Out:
12 h 49 min
